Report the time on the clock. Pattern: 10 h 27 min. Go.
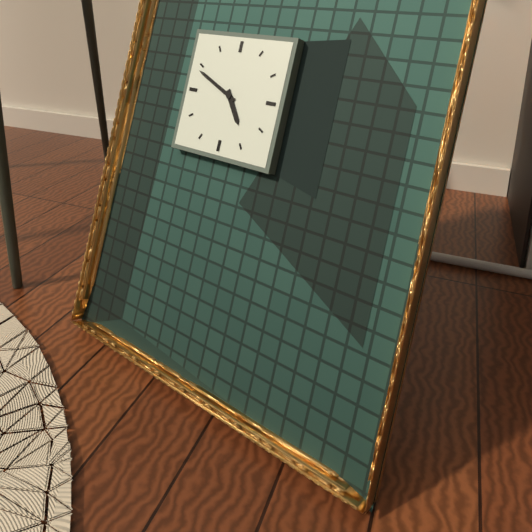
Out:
4 h 49 min
